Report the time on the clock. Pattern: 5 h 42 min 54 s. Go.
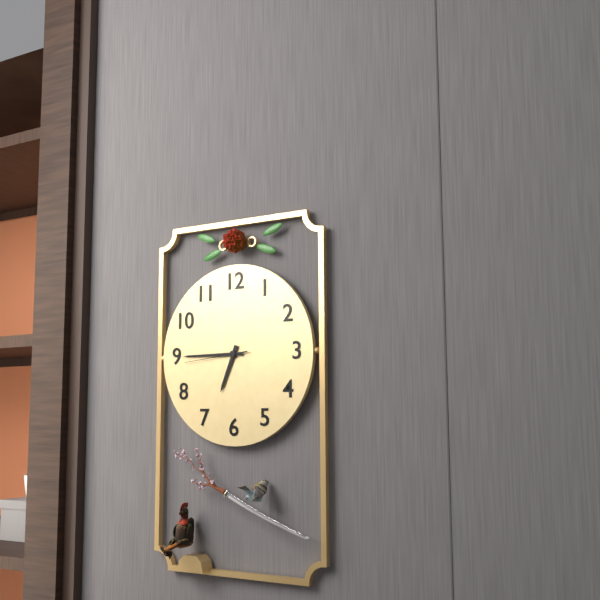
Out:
6 h 45 min 44 s
